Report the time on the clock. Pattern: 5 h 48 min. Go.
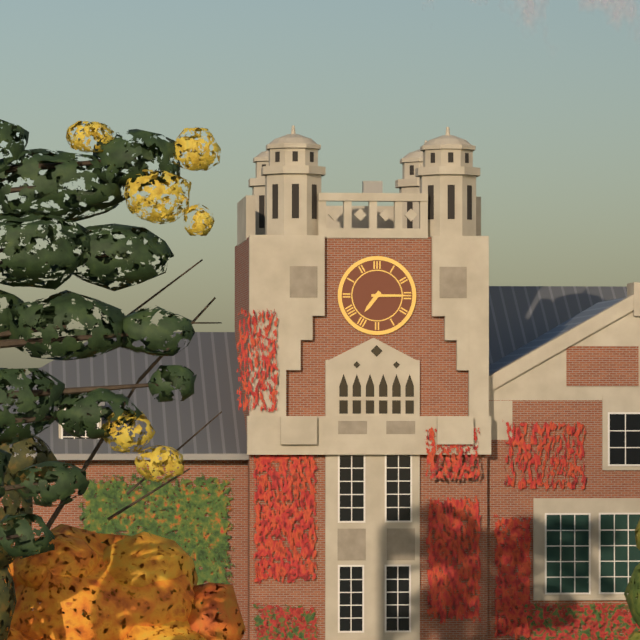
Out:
7 h 15 min
